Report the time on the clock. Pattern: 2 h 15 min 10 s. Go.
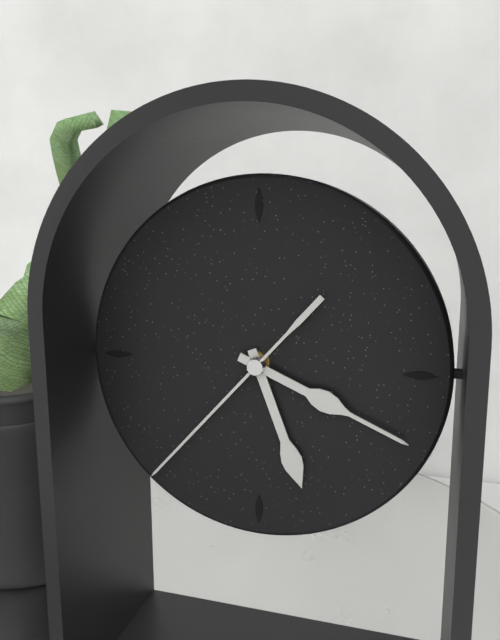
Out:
5 h 19 min 37 s
